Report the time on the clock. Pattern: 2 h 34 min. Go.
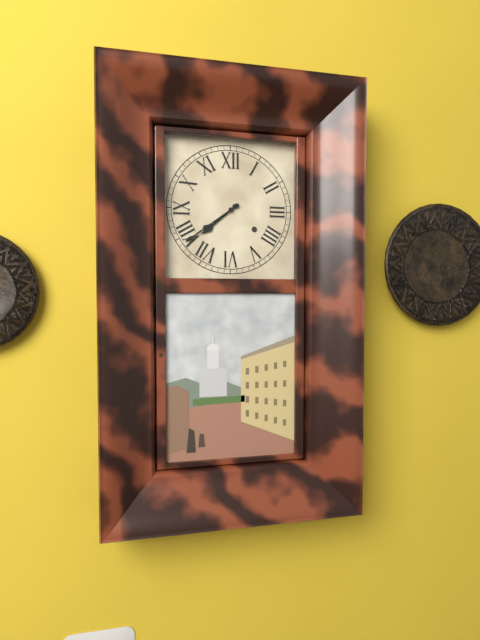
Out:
7 h 39 min
